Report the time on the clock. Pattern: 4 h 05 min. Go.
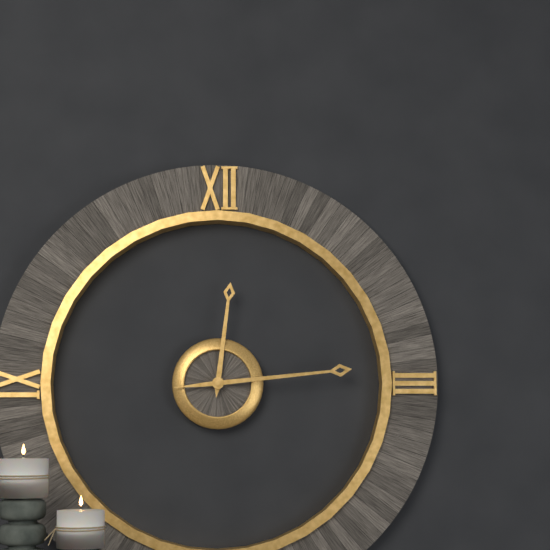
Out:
12 h 14 min
